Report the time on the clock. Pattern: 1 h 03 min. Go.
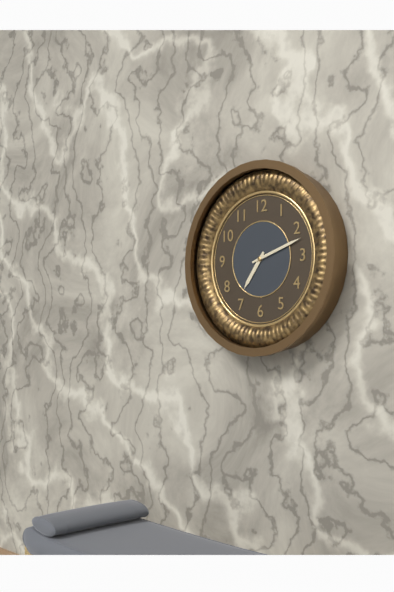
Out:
7 h 12 min
